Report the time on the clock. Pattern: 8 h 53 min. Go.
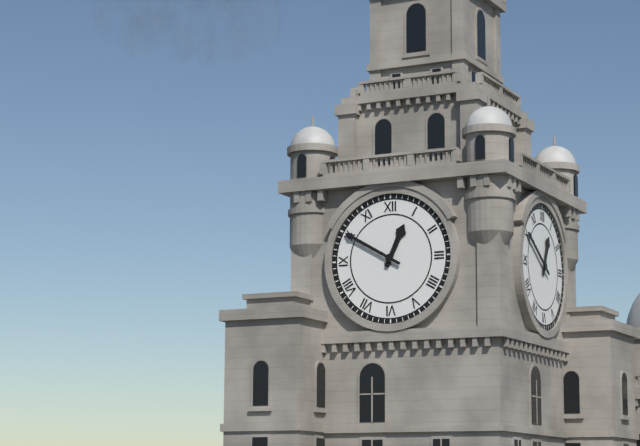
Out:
12 h 50 min
